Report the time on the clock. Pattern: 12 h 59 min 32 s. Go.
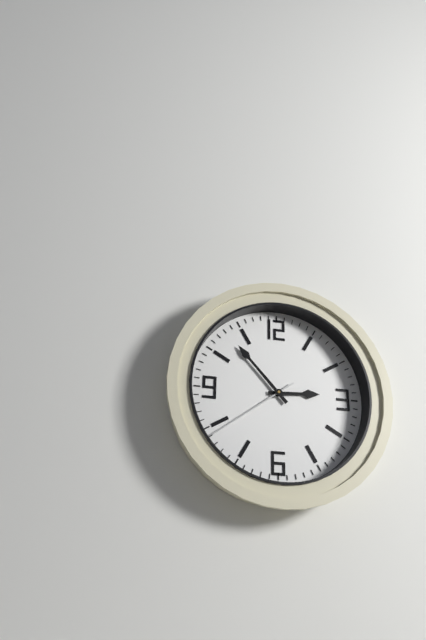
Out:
2 h 53 min 39 s
